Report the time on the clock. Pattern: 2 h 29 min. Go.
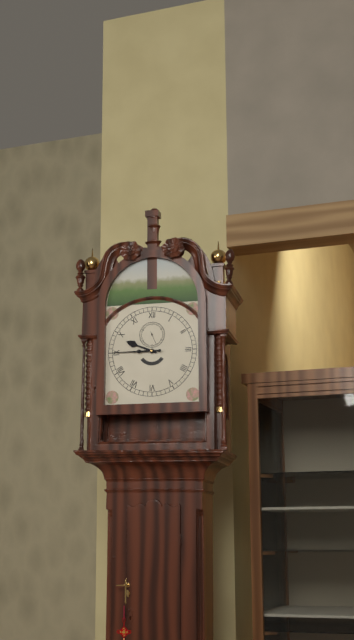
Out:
9 h 45 min
